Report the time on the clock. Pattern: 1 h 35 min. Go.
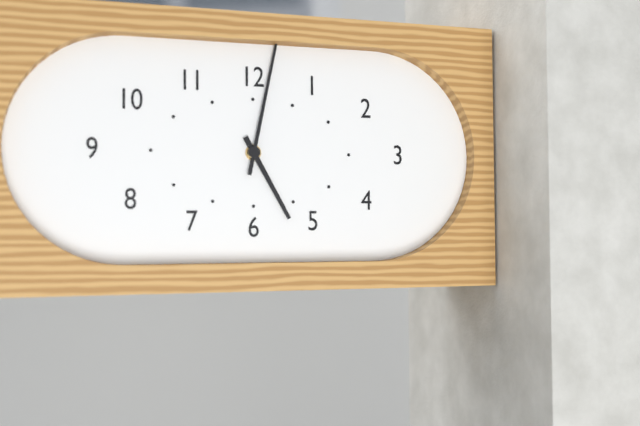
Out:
5 h 02 min
